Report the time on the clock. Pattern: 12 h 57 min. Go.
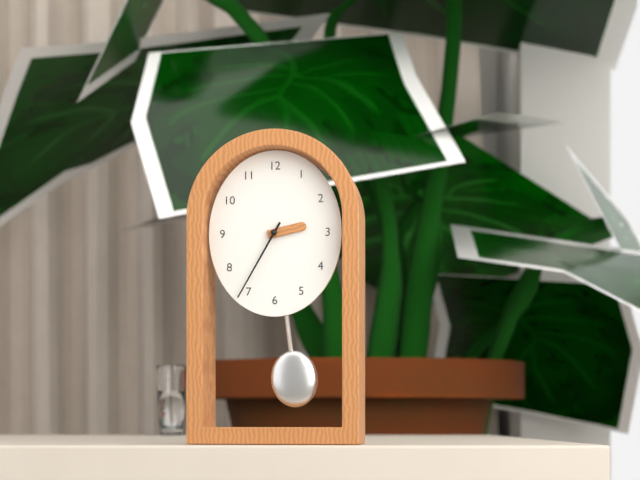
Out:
2 h 35 min
